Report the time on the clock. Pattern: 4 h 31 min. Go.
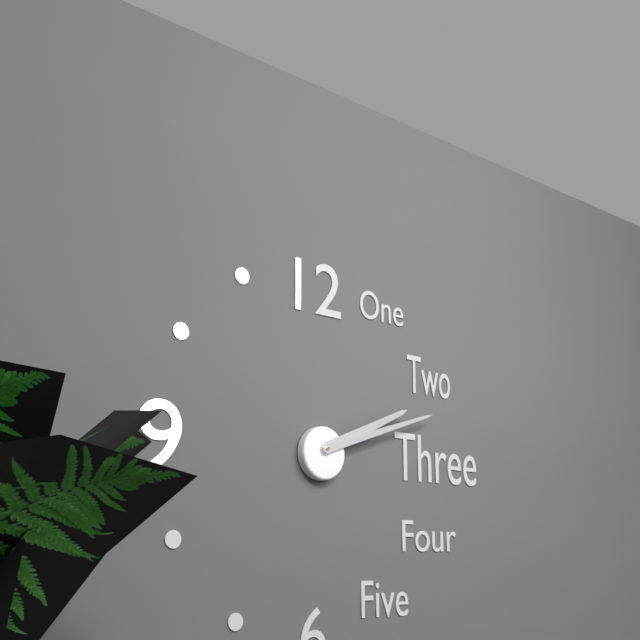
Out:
2 h 12 min
